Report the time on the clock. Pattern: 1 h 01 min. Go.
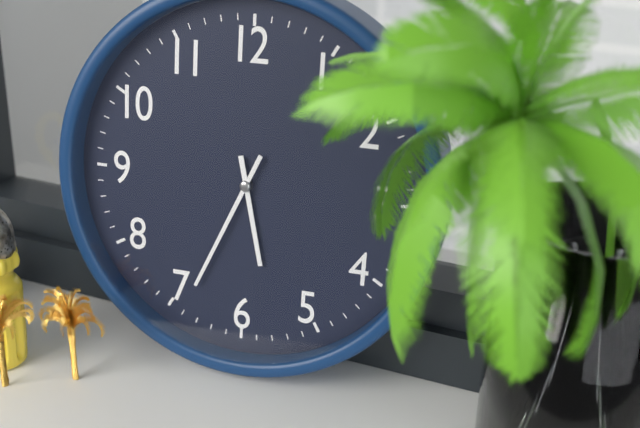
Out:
5 h 34 min
